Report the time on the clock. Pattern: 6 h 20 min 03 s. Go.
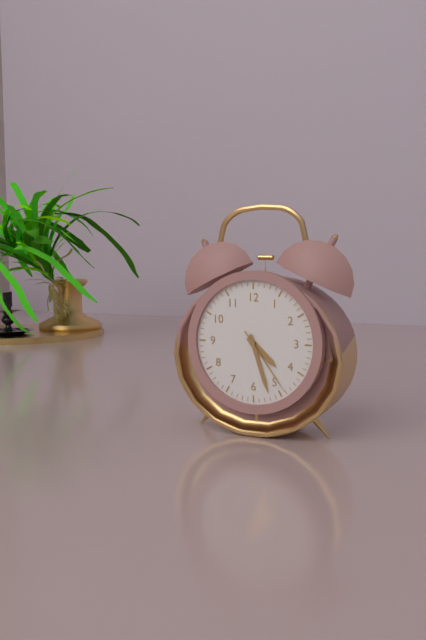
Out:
4 h 27 min 24 s
